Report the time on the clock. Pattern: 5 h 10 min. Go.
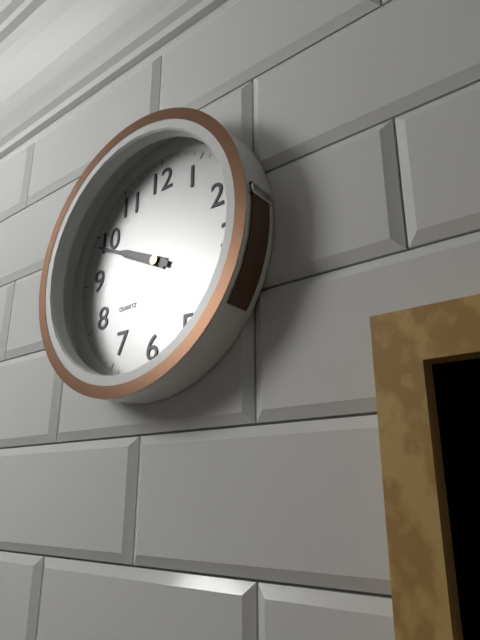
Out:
9 h 49 min
